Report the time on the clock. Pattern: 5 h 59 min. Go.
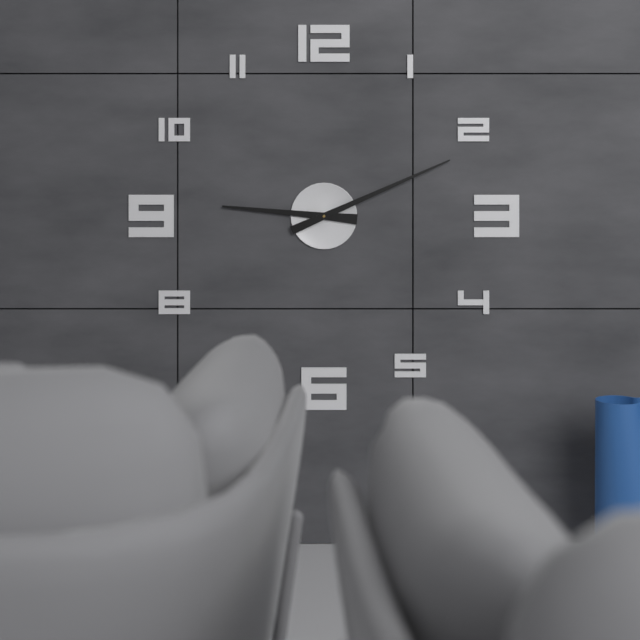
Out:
9 h 11 min
